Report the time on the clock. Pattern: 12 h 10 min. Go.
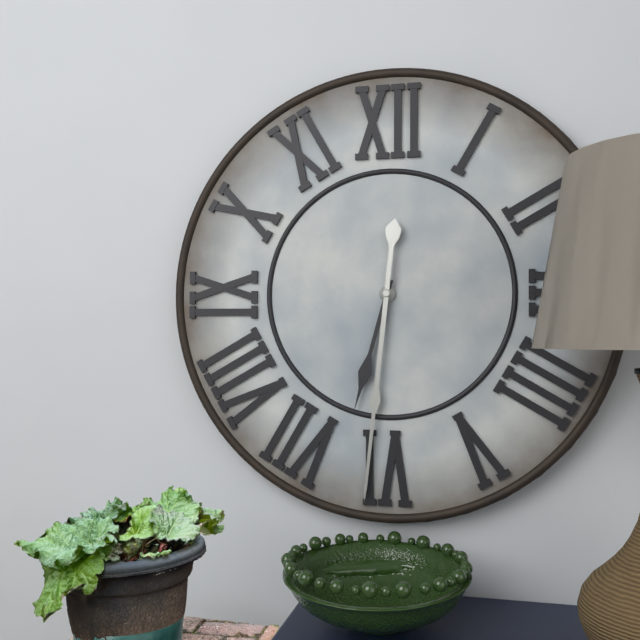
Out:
6 h 31 min
